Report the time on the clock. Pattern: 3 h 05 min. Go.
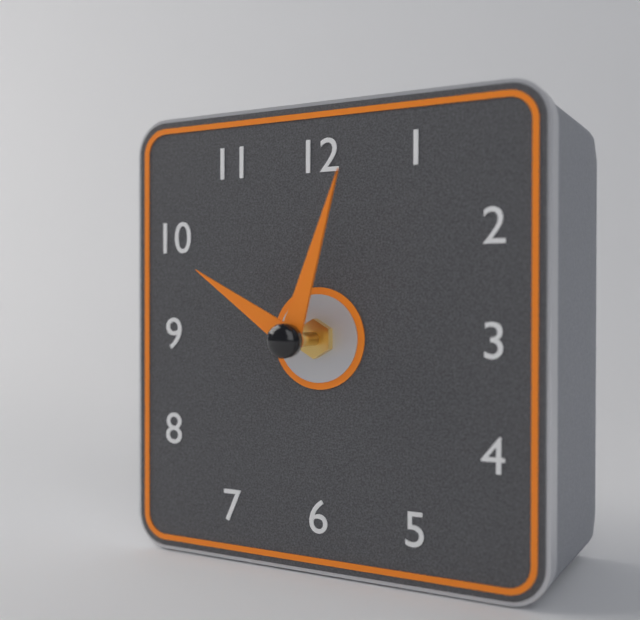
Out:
10 h 03 min
